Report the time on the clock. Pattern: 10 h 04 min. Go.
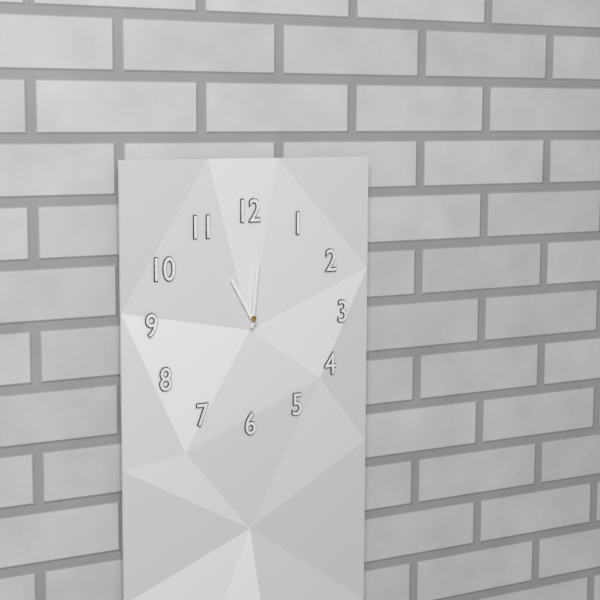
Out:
11 h 01 min
